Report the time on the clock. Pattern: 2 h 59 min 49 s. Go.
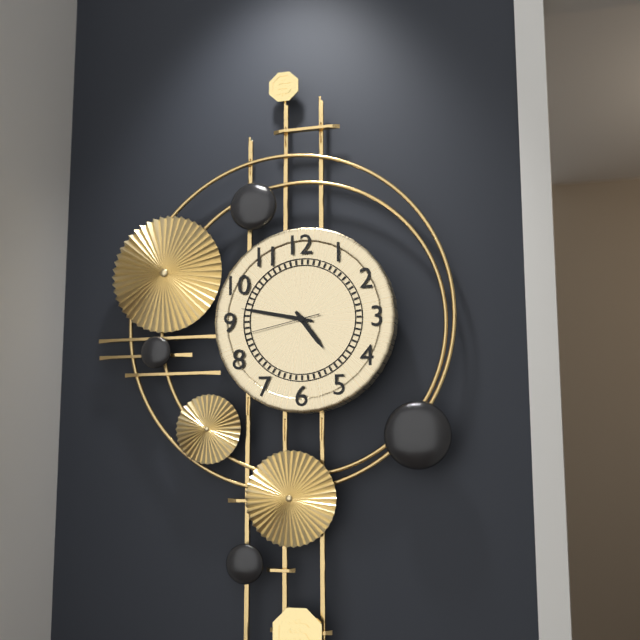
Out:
4 h 47 min 43 s
